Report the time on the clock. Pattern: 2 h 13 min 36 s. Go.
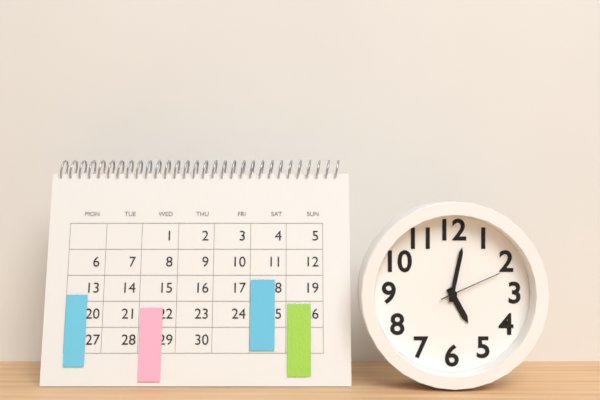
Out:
5 h 02 min 11 s
